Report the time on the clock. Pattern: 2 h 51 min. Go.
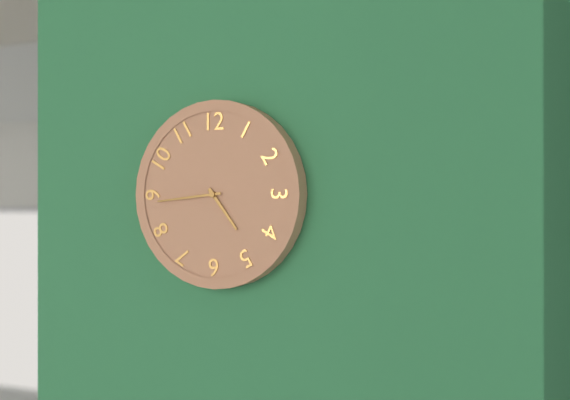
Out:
4 h 44 min
